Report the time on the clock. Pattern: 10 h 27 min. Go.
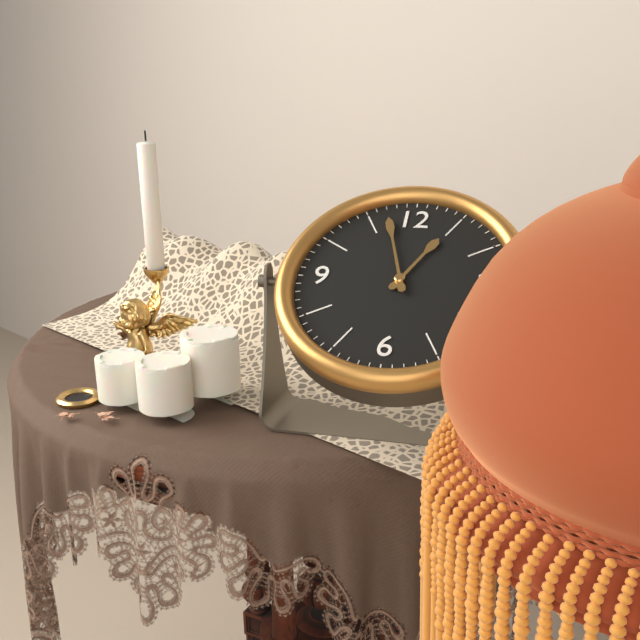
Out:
12 h 57 min
